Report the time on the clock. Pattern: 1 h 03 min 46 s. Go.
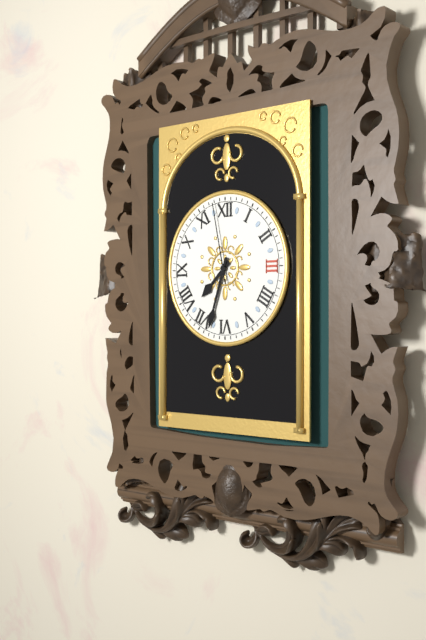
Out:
7 h 33 min 58 s
